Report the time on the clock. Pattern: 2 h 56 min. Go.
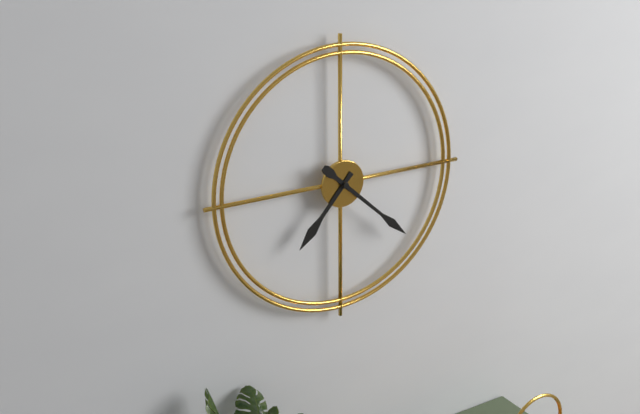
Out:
7 h 22 min
